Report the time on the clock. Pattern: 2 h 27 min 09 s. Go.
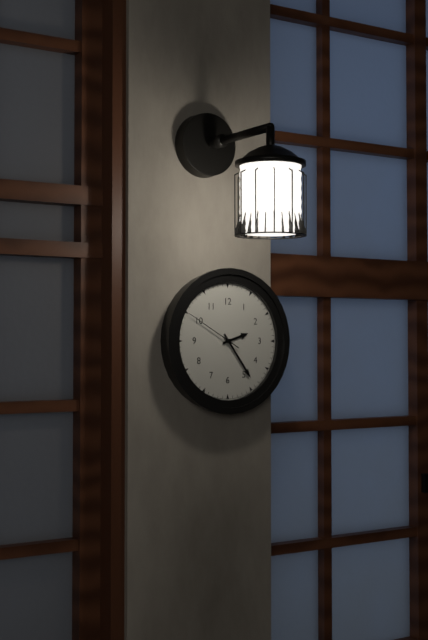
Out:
2 h 24 min 50 s
